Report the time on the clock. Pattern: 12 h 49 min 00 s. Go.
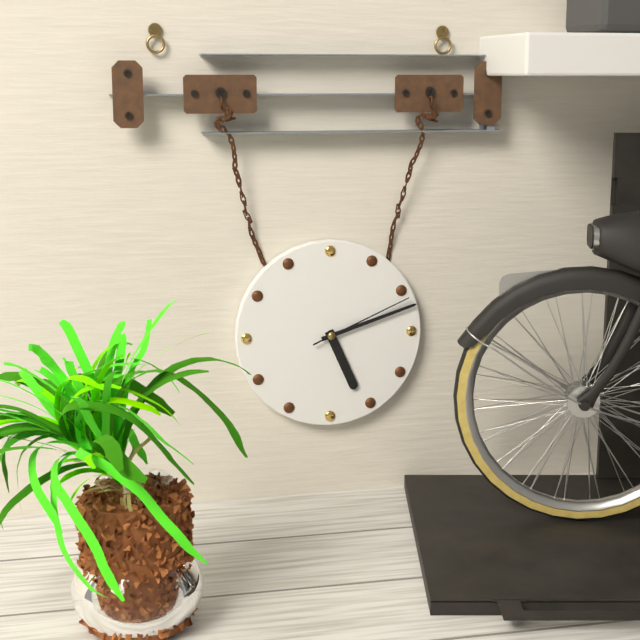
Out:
5 h 12 min 11 s
